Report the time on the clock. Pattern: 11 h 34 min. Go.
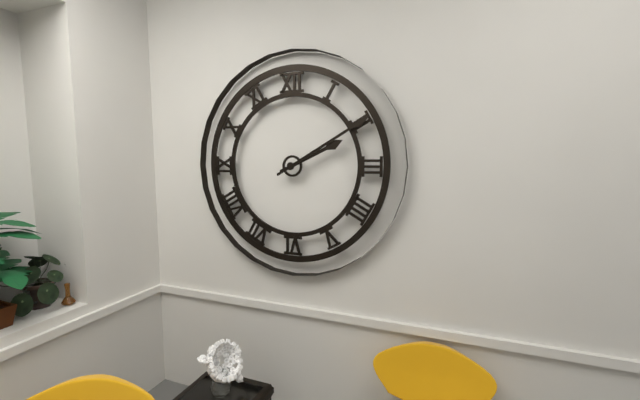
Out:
2 h 10 min
